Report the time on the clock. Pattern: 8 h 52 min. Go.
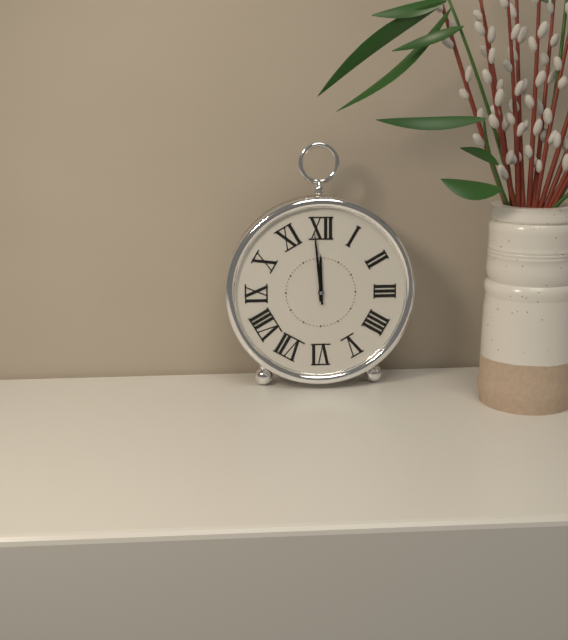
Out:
11 h 59 min
